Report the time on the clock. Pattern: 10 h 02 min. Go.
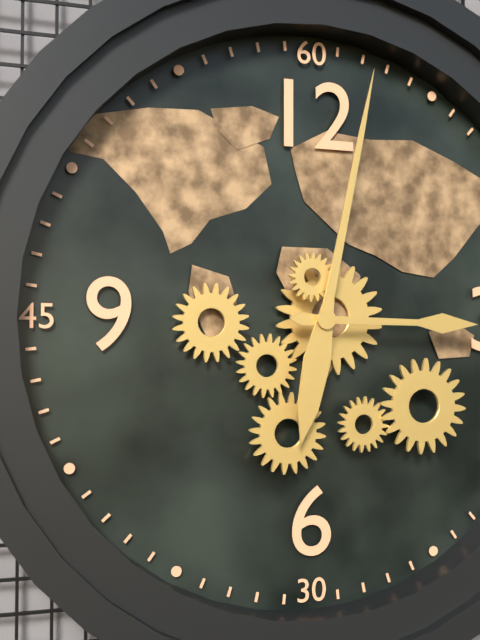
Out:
3 h 02 min
